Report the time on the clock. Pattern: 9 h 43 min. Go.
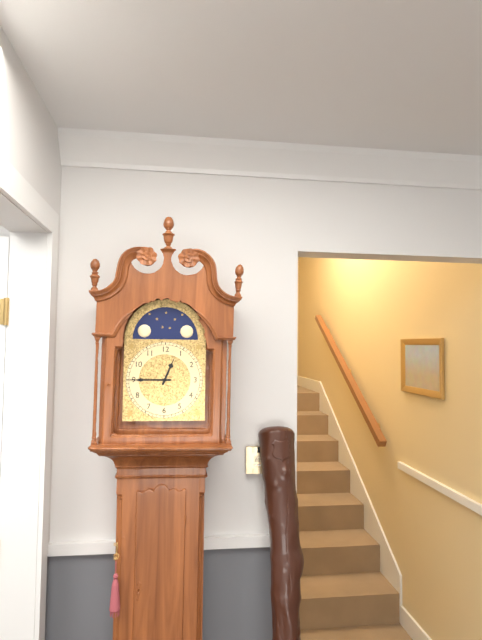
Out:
12 h 45 min
